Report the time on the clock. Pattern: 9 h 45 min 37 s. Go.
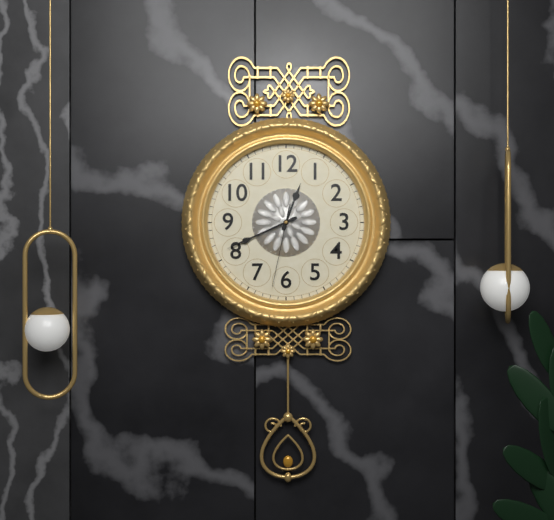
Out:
12 h 41 min 32 s
